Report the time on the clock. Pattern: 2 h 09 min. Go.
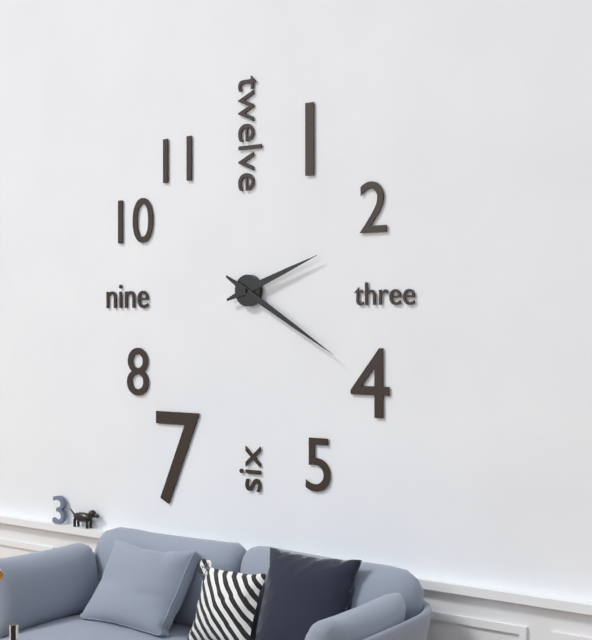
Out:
2 h 20 min
